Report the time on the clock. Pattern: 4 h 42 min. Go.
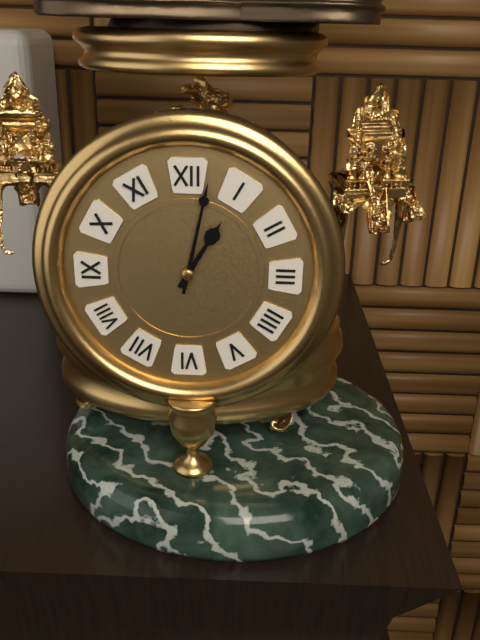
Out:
1 h 02 min
